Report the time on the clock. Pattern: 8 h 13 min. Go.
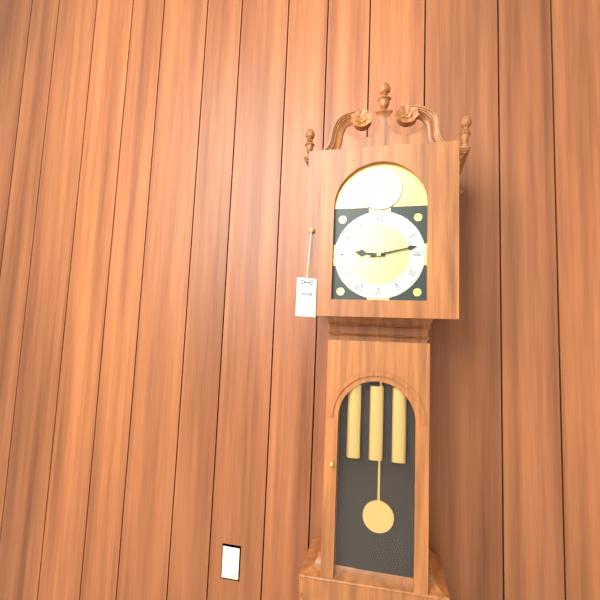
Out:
9 h 13 min
